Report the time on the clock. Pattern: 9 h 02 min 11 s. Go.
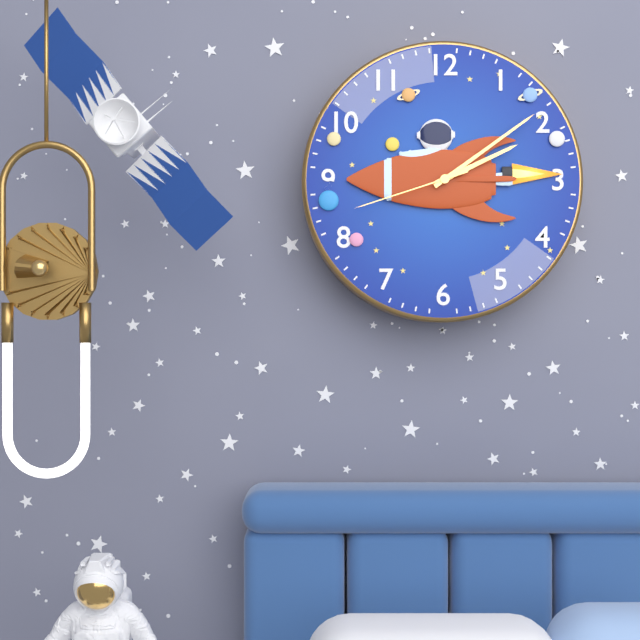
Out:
2 h 09 min 42 s
